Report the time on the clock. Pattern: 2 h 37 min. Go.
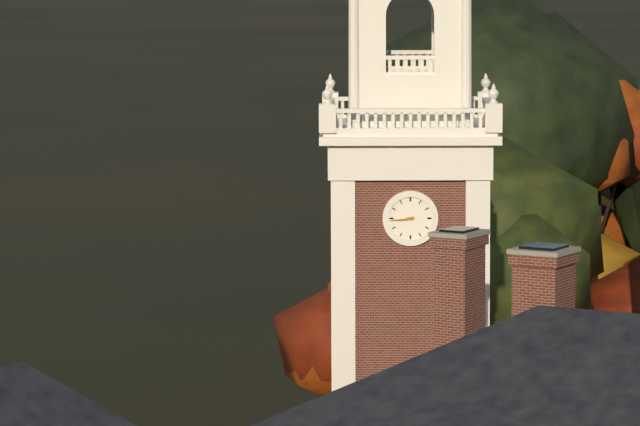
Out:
8 h 44 min
